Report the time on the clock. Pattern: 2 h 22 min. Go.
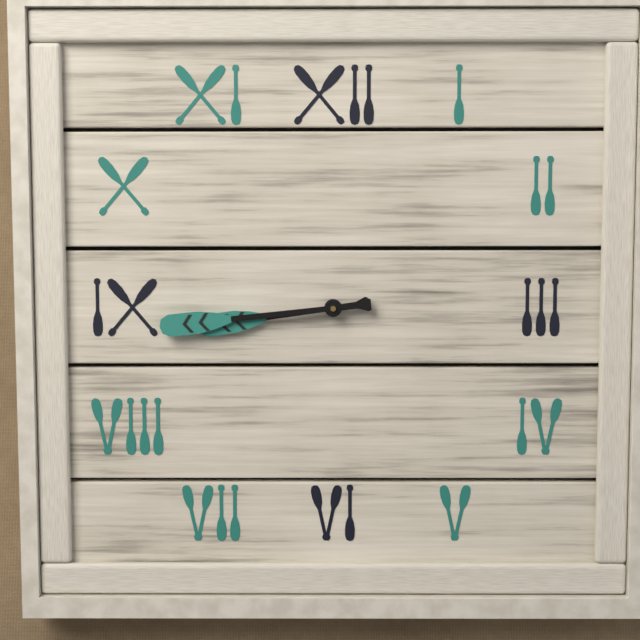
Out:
8 h 44 min
